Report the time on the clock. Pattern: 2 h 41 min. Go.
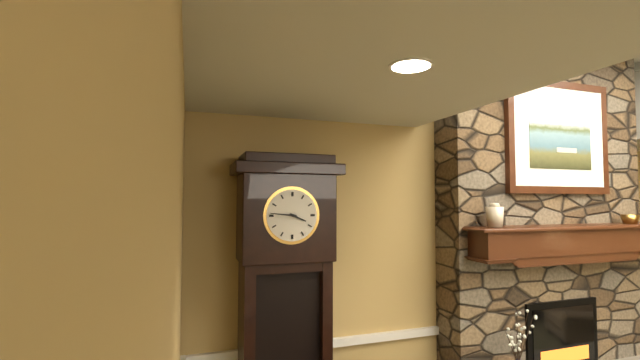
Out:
3 h 46 min
